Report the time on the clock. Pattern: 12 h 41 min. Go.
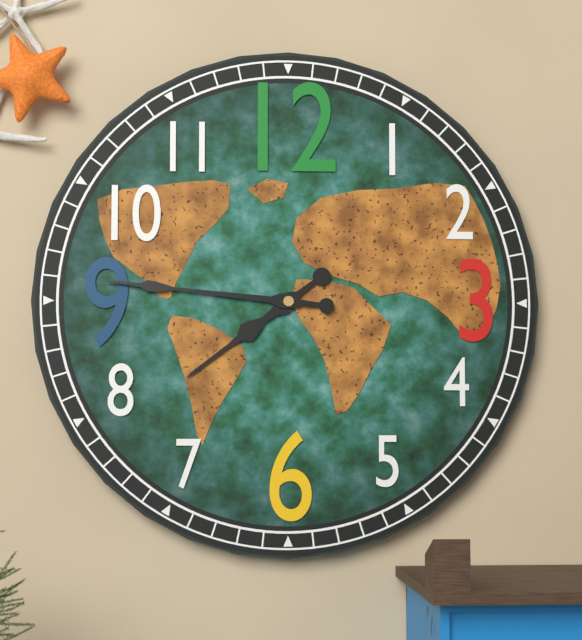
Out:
7 h 46 min
